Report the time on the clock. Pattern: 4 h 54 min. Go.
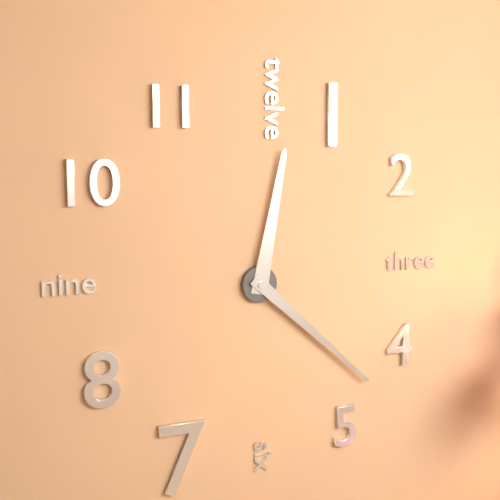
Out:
12 h 22 min
